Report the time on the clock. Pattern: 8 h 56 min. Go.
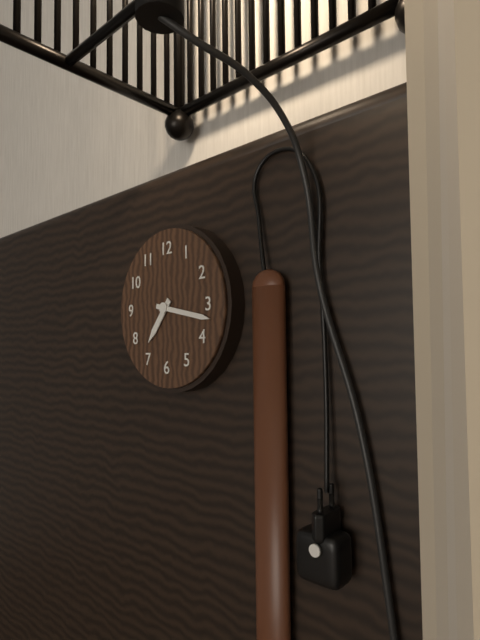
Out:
7 h 17 min
